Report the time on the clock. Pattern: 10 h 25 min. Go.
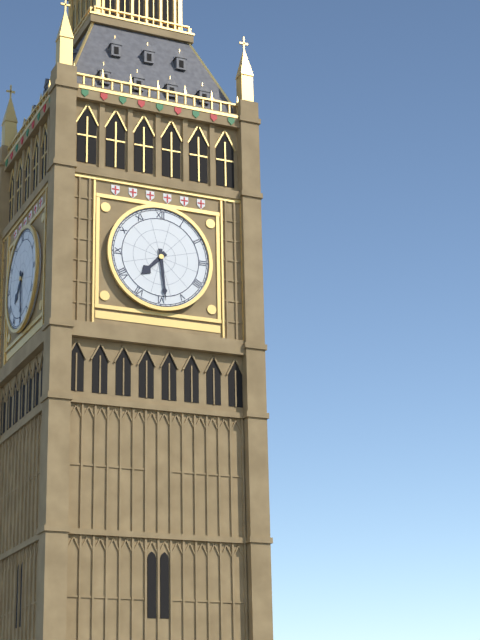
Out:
7 h 29 min
